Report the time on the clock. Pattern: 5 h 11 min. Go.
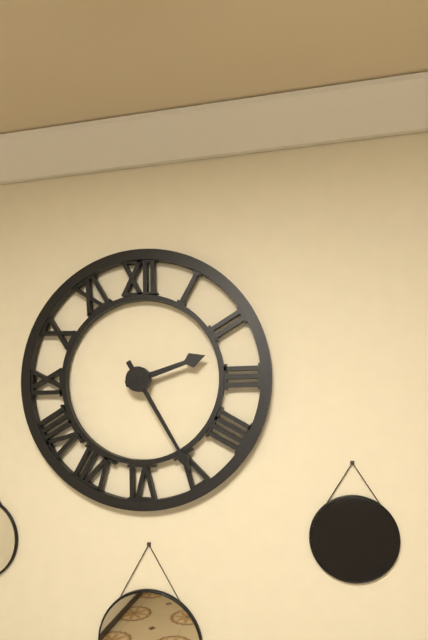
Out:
2 h 25 min
